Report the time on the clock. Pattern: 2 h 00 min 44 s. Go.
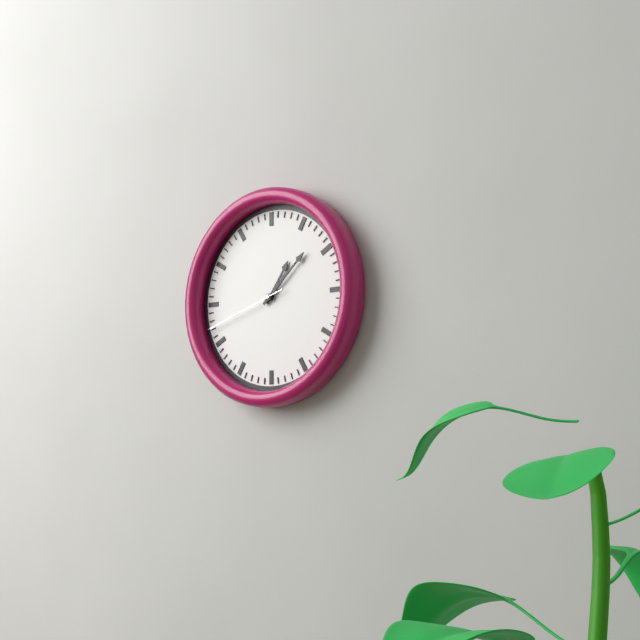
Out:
1 h 08 min 42 s
